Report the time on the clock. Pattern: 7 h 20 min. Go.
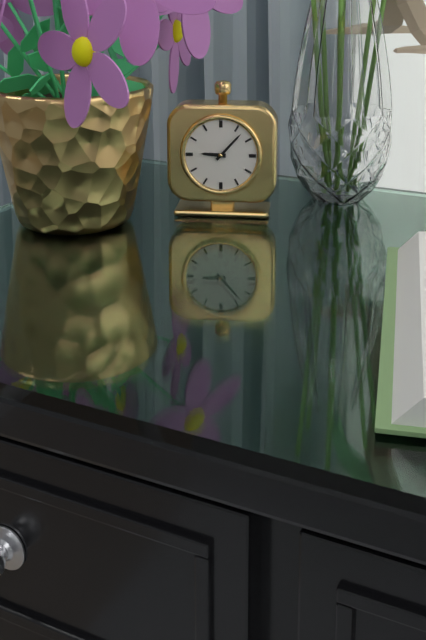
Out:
9 h 07 min
